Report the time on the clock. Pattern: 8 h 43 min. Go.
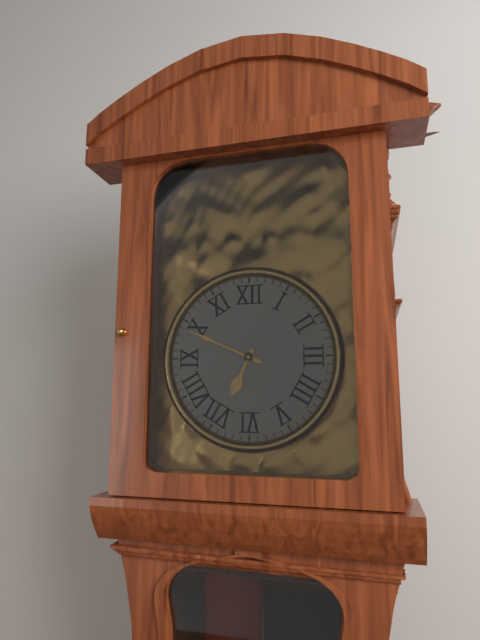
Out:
6 h 49 min
